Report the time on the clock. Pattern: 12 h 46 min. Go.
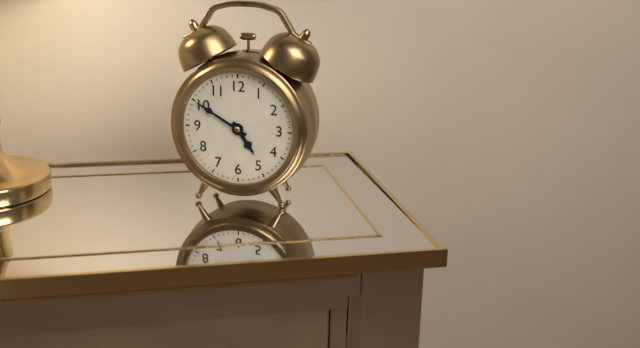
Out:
4 h 50 min
